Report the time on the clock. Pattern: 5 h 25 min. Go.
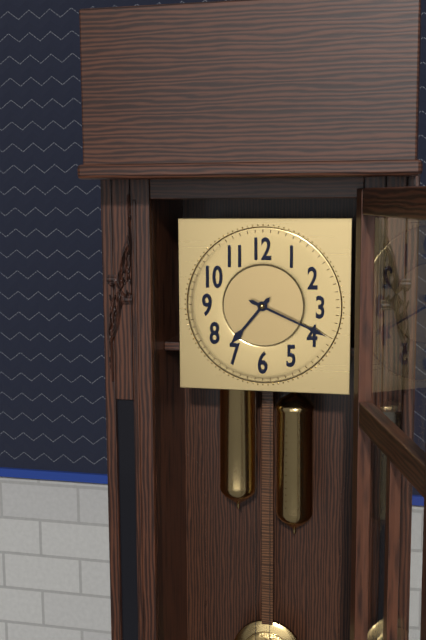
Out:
7 h 19 min
